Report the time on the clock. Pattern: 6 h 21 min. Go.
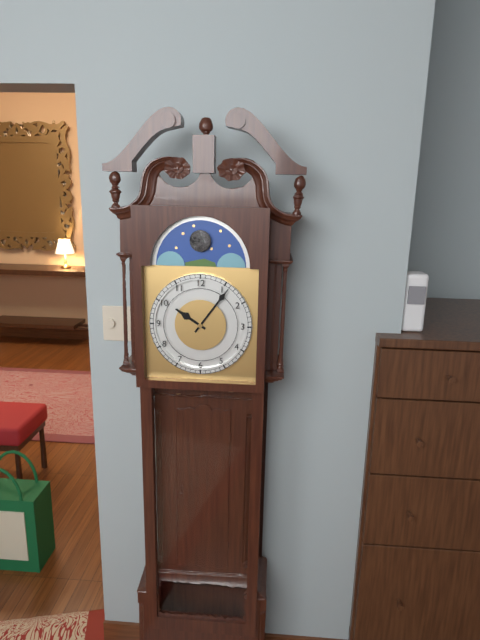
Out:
10 h 06 min
